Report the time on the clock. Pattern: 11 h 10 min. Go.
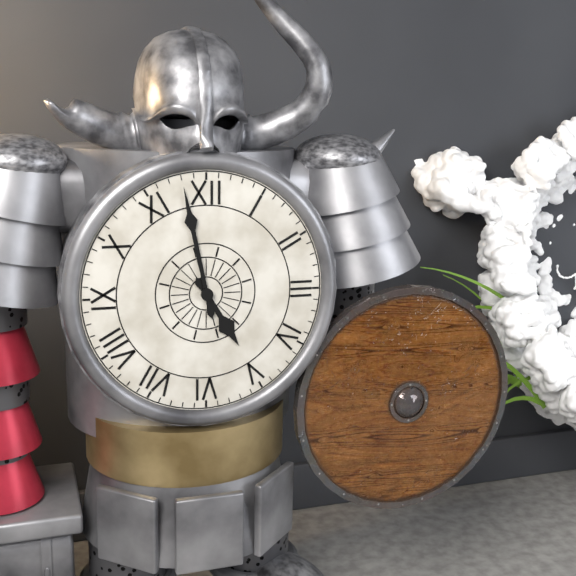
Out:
4 h 58 min
